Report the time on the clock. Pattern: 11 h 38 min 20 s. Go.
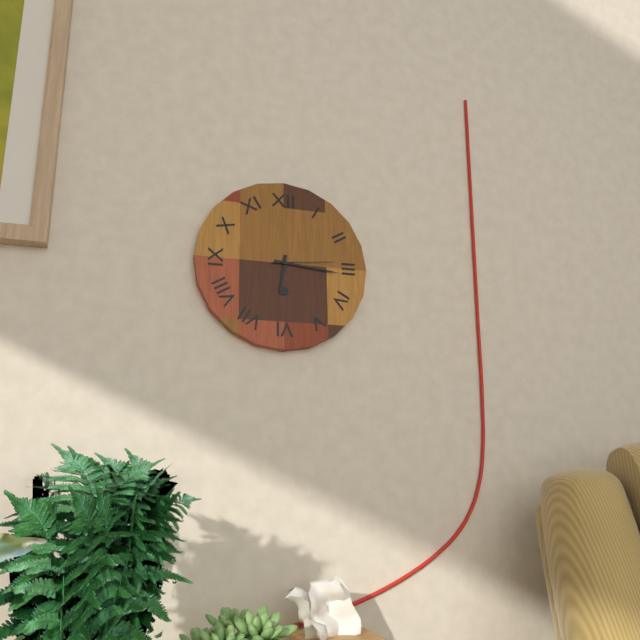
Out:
6 h 16 min 14 s
